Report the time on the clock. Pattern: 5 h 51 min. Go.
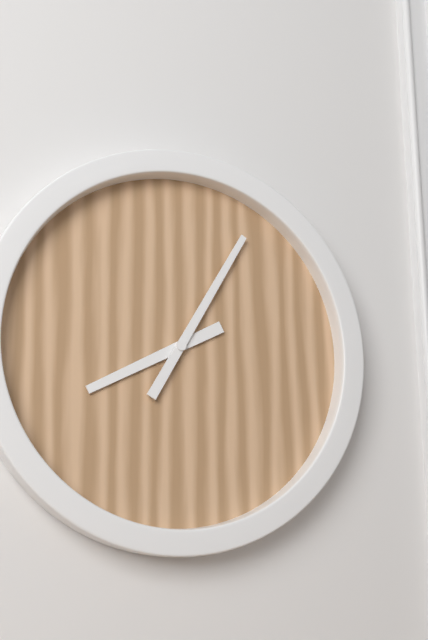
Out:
8 h 05 min
